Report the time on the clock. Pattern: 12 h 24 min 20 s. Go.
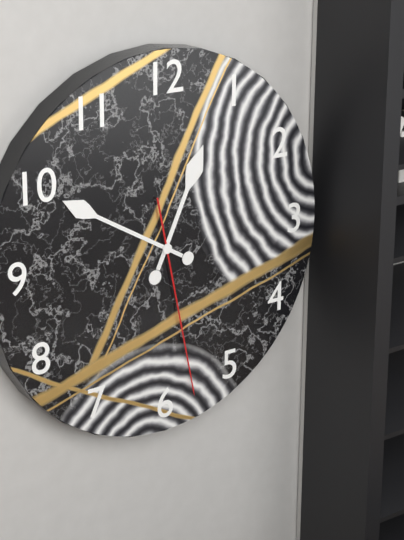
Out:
12 h 50 min 28 s
